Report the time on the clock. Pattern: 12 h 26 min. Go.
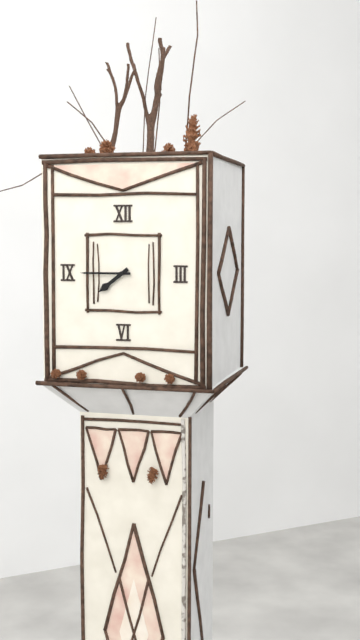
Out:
7 h 45 min
